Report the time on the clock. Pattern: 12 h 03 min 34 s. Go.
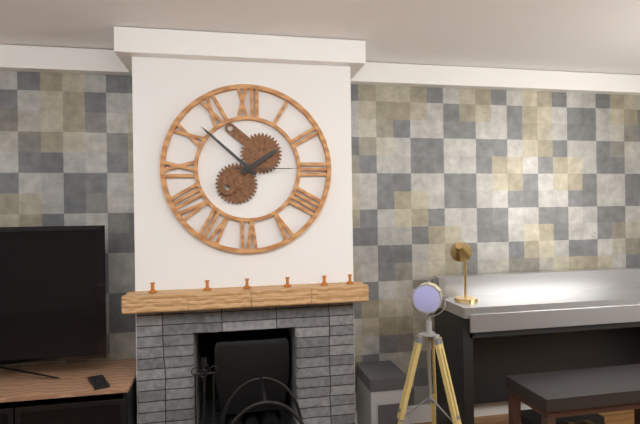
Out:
1 h 52 min 15 s
